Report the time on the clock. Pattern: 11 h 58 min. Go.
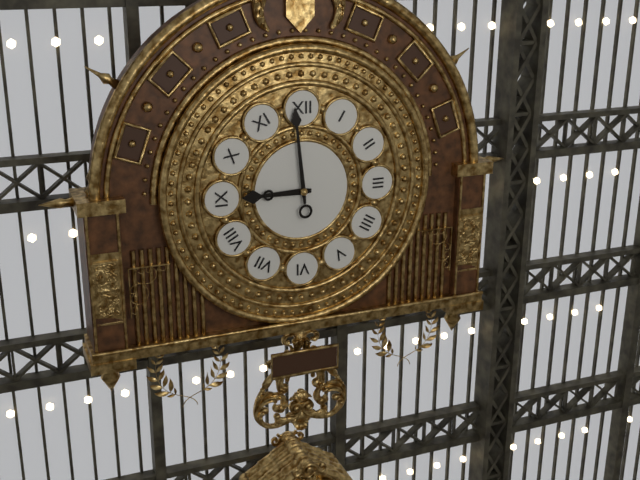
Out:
8 h 59 min
